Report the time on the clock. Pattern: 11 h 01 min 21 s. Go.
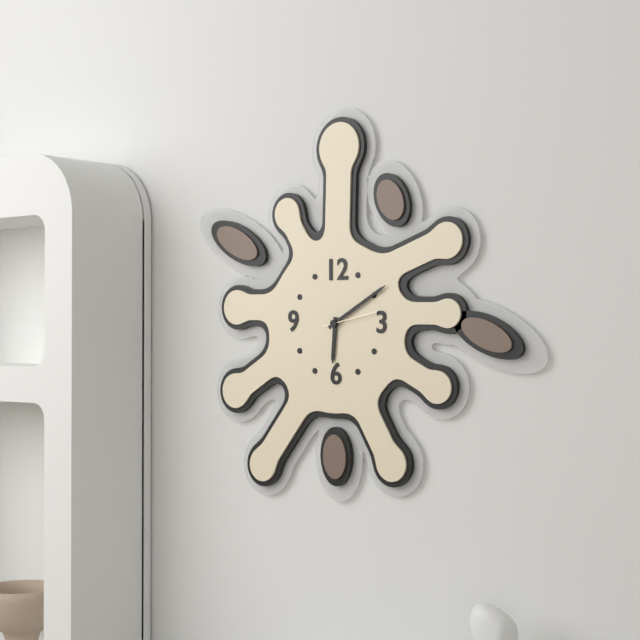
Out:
6 h 10 min 13 s
